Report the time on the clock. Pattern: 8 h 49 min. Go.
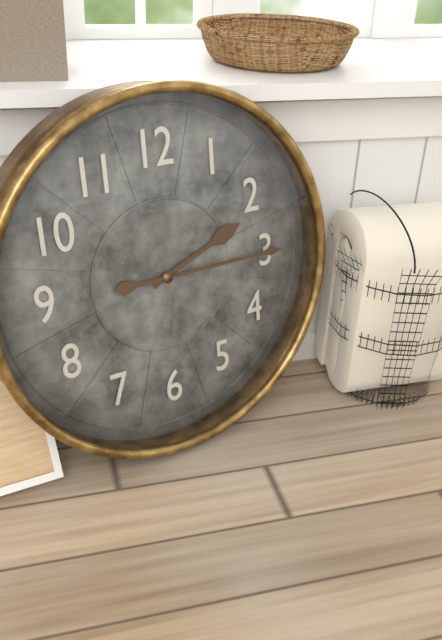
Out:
2 h 15 min
